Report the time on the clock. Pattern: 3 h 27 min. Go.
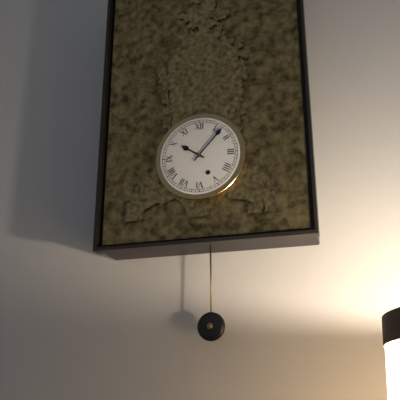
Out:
10 h 07 min
